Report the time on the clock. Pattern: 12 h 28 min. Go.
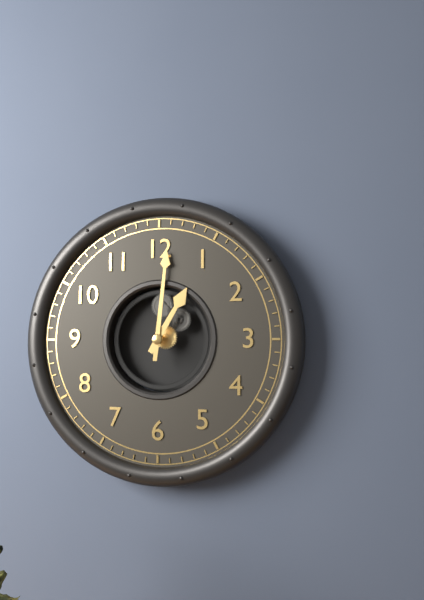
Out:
1 h 01 min
